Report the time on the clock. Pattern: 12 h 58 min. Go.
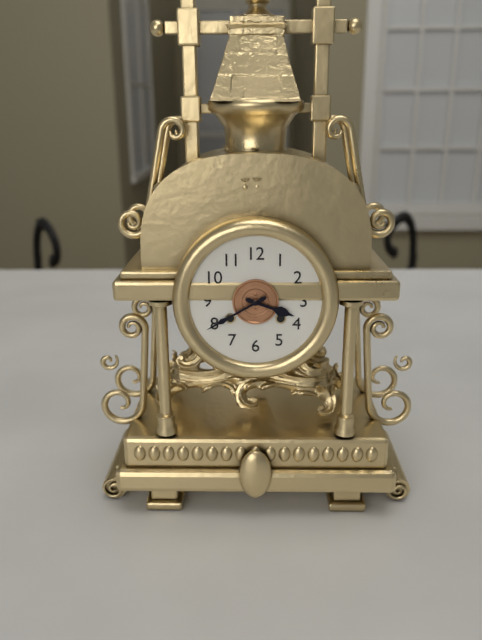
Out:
3 h 40 min
